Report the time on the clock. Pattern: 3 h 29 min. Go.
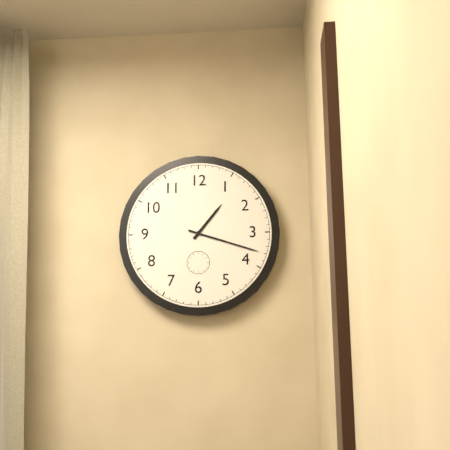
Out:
1 h 18 min
